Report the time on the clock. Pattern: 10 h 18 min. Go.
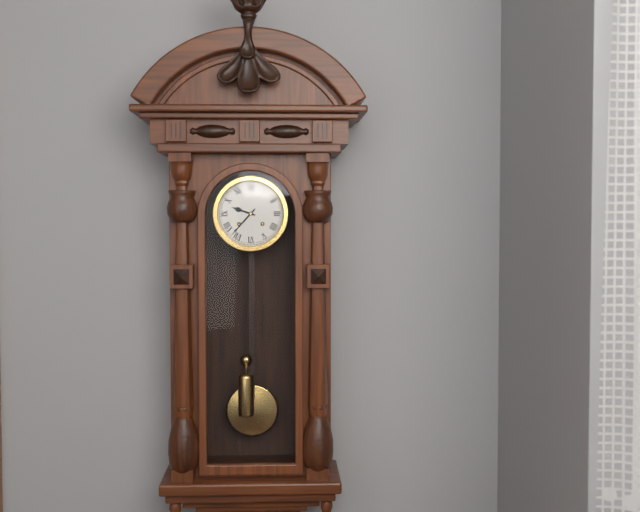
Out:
9 h 37 min
